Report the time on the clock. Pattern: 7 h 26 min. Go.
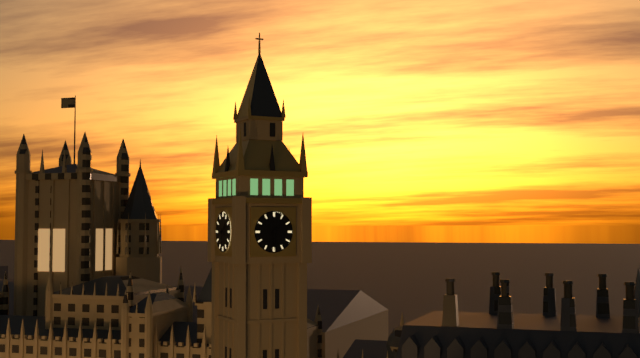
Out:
1 h 30 min
